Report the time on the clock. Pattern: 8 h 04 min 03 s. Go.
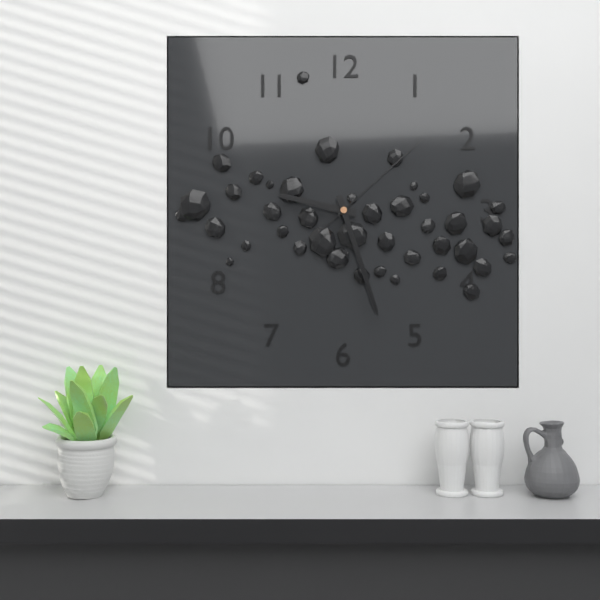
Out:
9 h 27 min 08 s
